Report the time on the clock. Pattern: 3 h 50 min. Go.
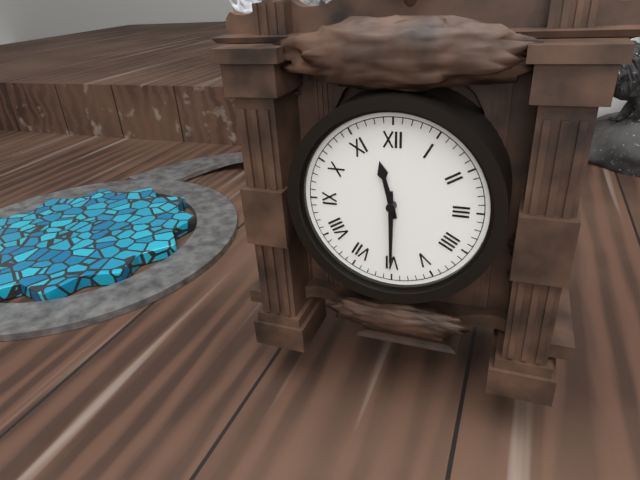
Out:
11 h 30 min
